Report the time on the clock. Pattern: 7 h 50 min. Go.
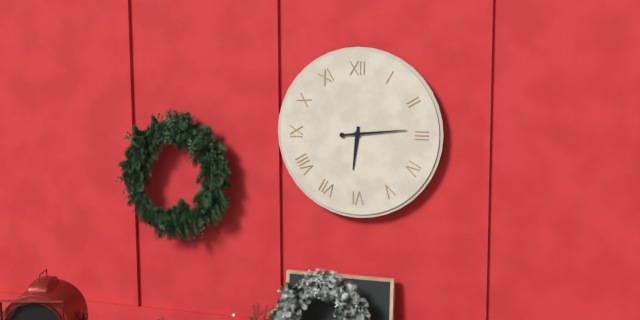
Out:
6 h 14 min
